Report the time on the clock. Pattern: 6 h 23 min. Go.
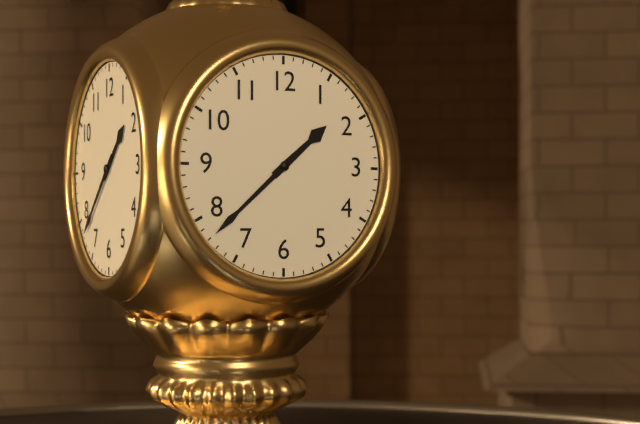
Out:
1 h 38 min
